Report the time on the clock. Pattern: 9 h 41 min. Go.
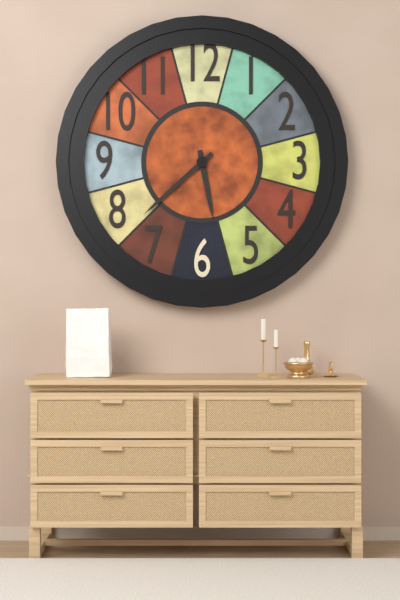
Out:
5 h 38 min
